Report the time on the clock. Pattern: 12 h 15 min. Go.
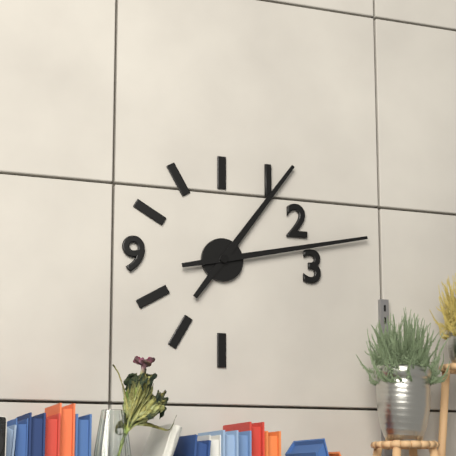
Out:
1 h 13 min
